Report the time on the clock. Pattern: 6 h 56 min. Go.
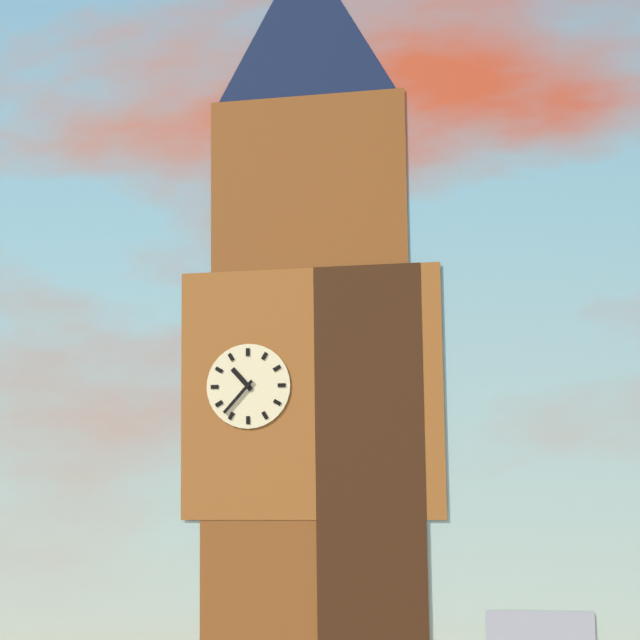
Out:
10 h 37 min
